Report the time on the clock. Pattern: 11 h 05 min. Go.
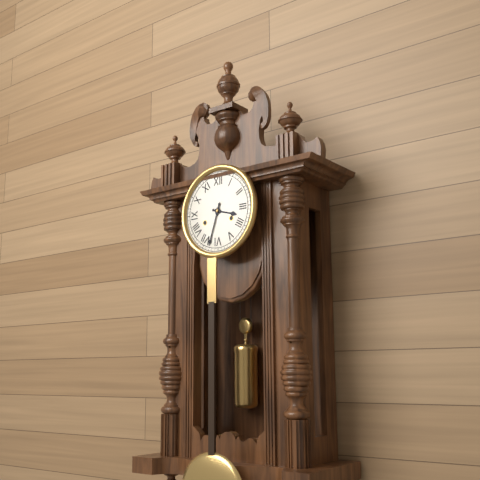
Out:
3 h 33 min
